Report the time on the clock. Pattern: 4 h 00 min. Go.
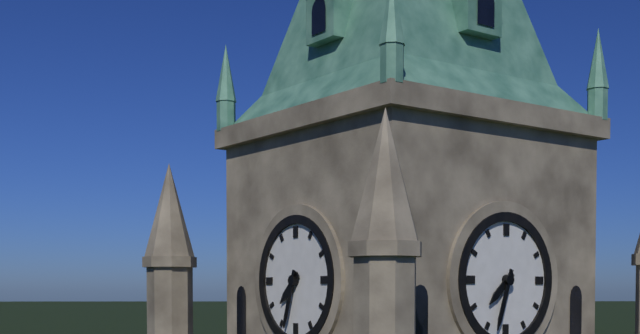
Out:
7 h 33 min
